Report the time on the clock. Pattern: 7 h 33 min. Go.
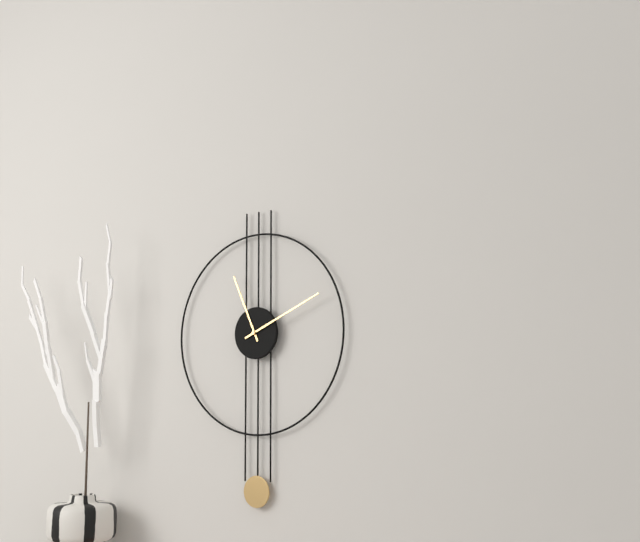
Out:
11 h 11 min
